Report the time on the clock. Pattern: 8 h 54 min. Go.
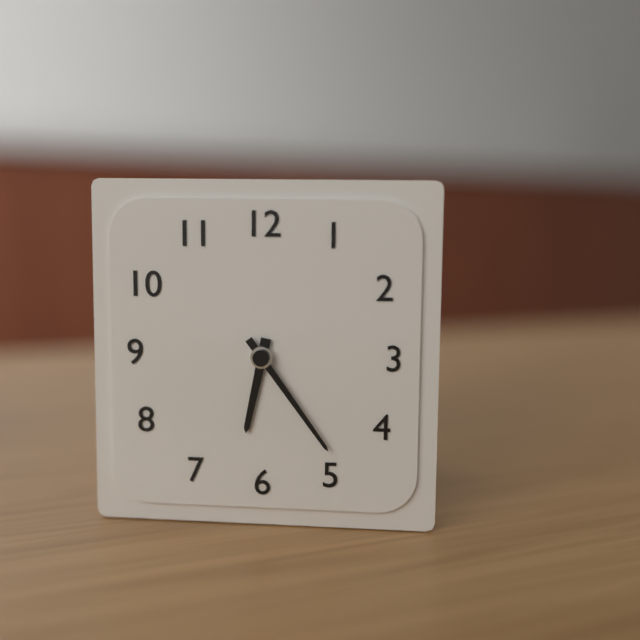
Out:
6 h 24 min
